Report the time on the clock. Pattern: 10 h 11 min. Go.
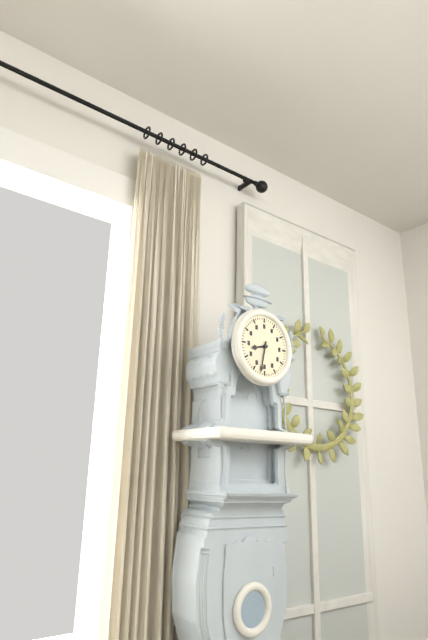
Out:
8 h 32 min
